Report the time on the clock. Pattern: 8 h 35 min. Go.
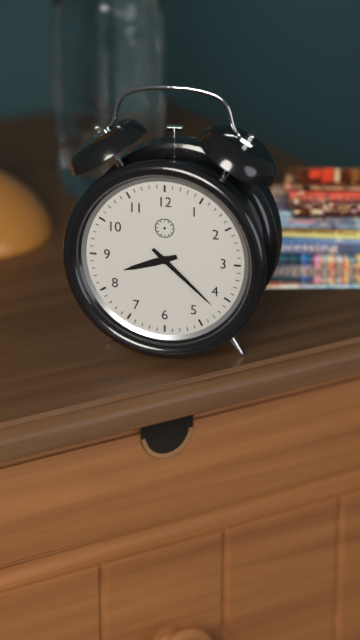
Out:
8 h 22 min
